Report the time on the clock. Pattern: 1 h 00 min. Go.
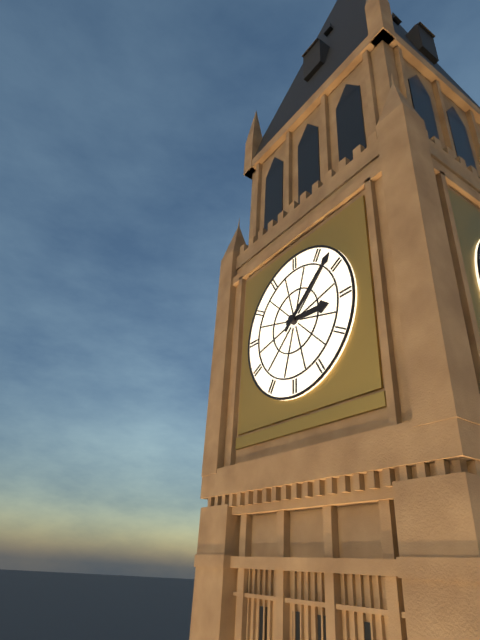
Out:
3 h 08 min
